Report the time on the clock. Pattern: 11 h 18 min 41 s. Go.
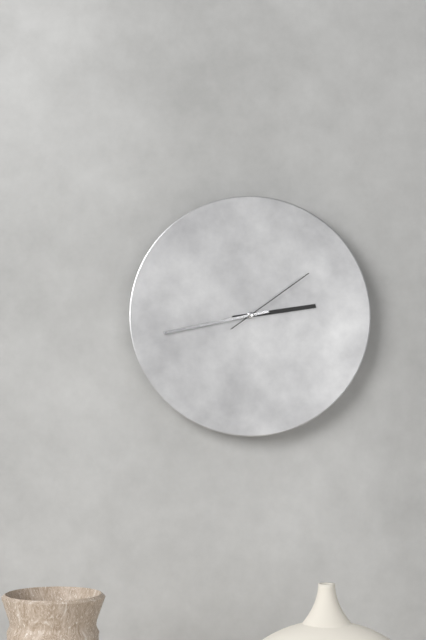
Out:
2 h 43 min 09 s
